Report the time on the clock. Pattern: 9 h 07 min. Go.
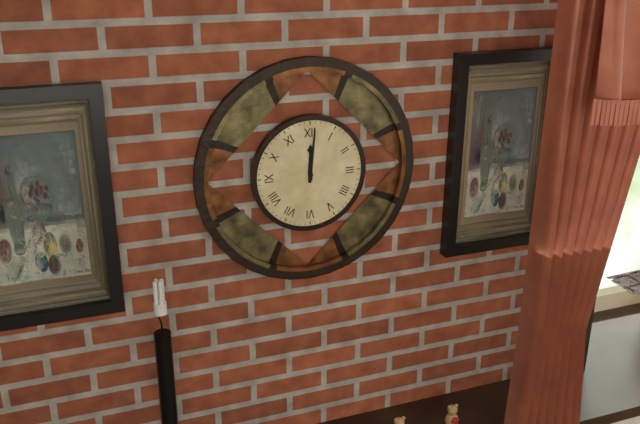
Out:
12 h 01 min
